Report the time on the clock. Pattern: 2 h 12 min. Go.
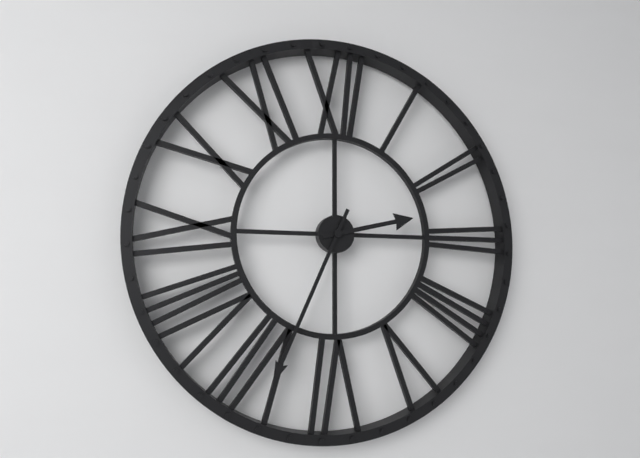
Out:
2 h 34 min
